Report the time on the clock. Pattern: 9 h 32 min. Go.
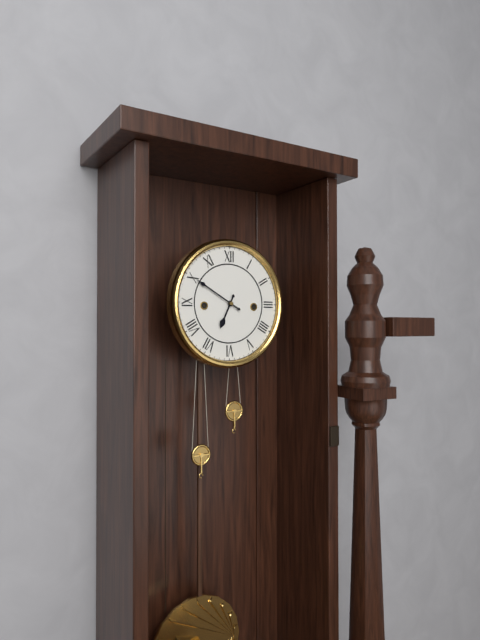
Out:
6 h 50 min
